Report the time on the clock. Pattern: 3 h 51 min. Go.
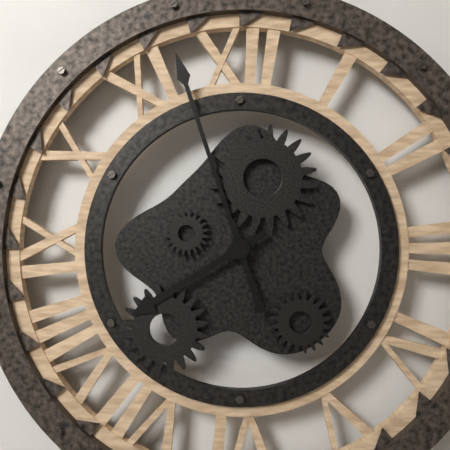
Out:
7 h 57 min
